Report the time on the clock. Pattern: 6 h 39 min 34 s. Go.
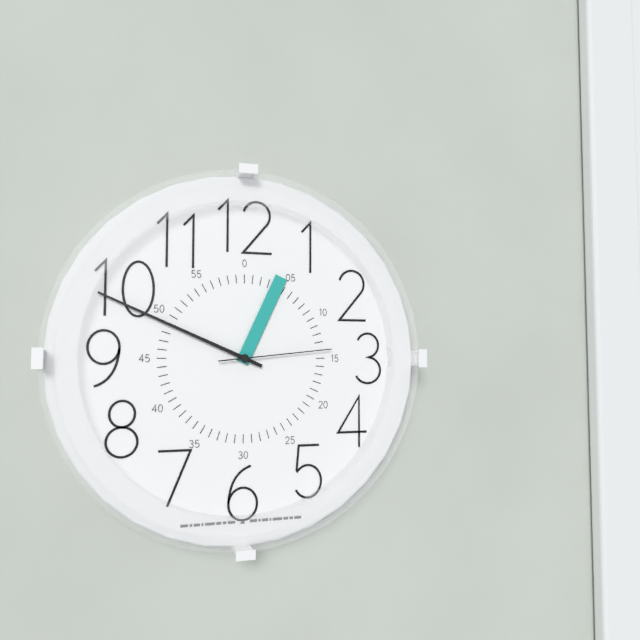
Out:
12 h 49 min 14 s
